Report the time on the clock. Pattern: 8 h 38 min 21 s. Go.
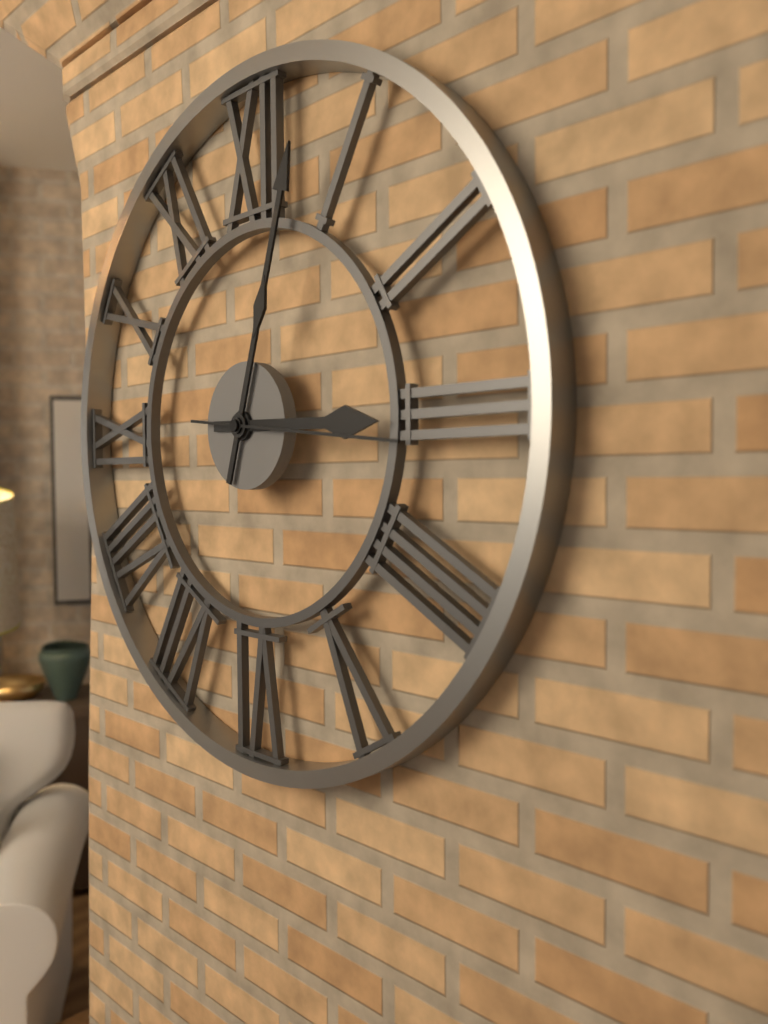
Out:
3 h 03 min 16 s
